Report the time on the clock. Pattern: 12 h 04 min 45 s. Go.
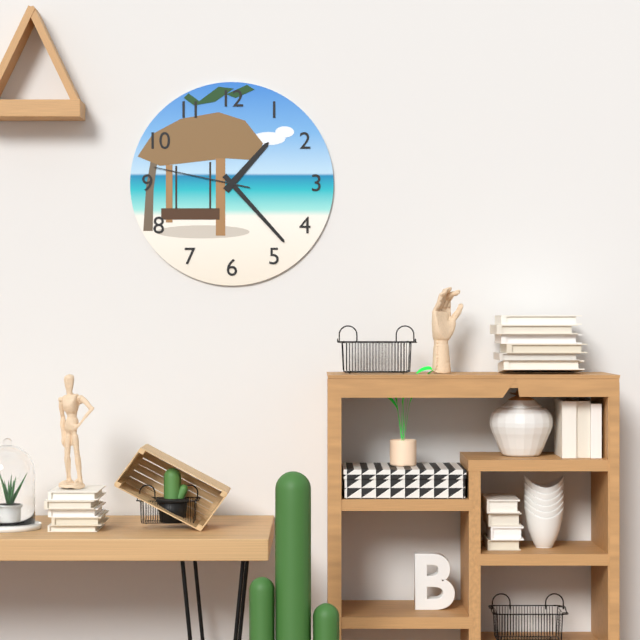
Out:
1 h 23 min 47 s
